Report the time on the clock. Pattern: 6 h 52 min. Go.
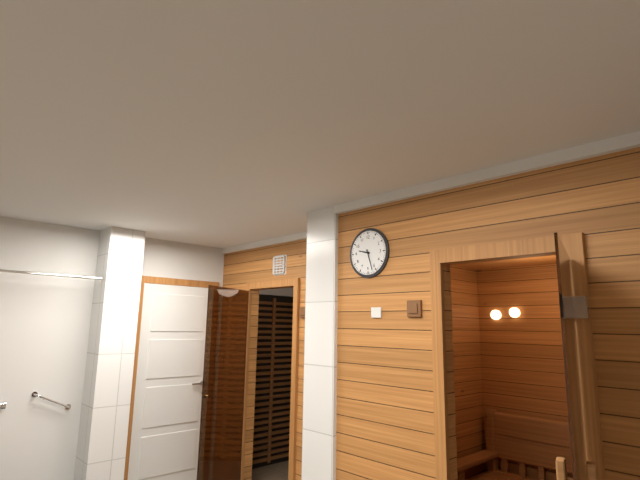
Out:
9 h 27 min
